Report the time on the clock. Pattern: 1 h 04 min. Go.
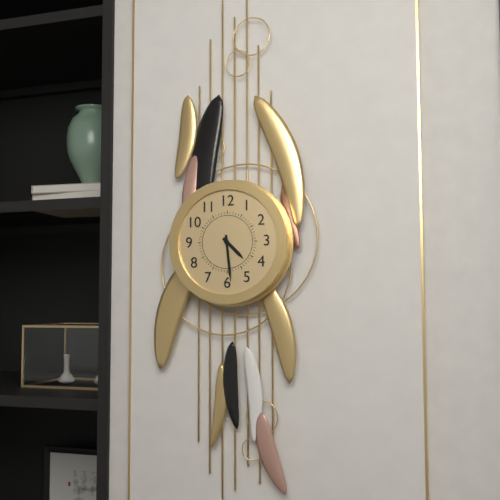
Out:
4 h 29 min
